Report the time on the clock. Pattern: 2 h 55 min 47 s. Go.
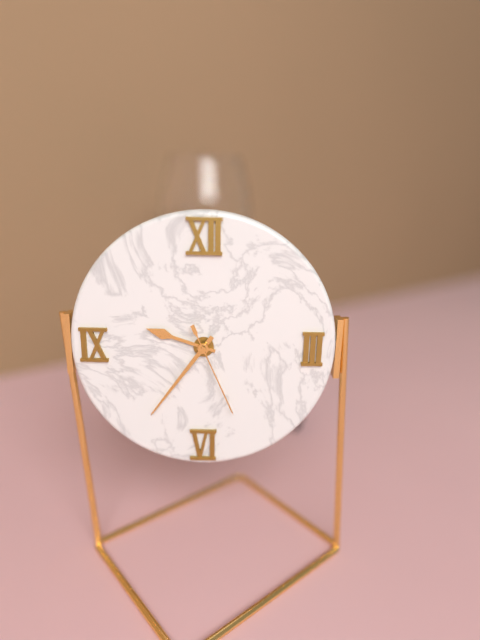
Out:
9 h 36 min 26 s
